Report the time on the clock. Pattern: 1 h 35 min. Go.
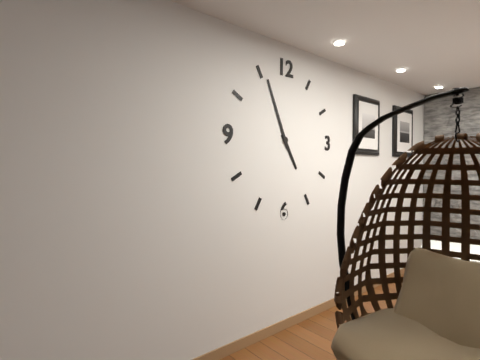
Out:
4 h 56 min
